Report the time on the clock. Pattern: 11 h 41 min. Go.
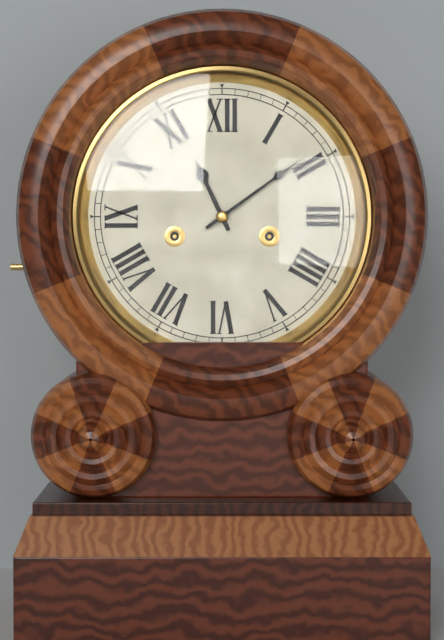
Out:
11 h 09 min
